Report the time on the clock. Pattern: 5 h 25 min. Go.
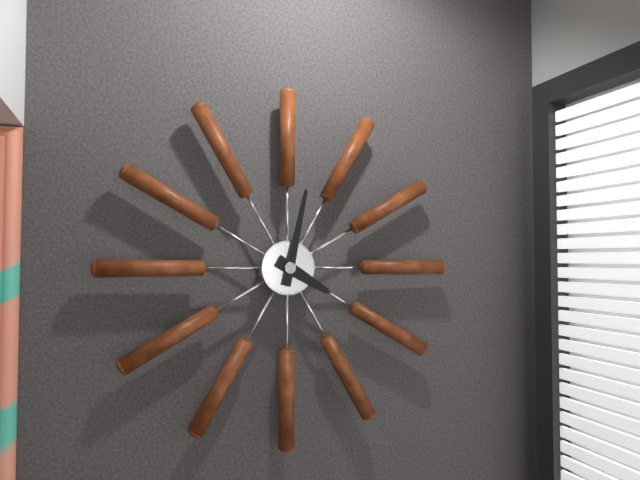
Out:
4 h 02 min
